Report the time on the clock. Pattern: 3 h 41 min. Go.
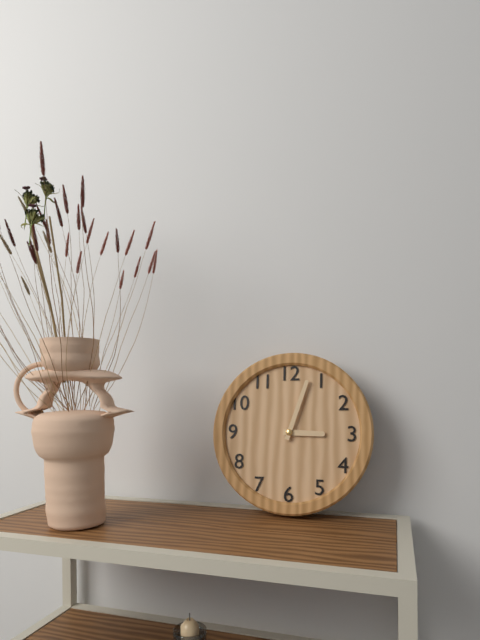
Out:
3 h 03 min
